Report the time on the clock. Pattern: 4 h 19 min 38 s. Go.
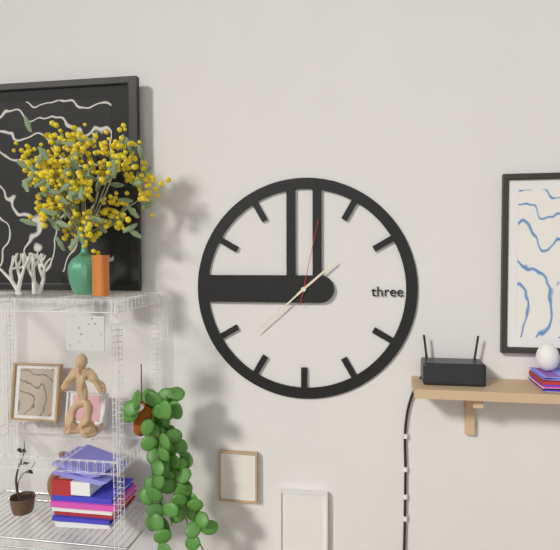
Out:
1 h 38 min 02 s
